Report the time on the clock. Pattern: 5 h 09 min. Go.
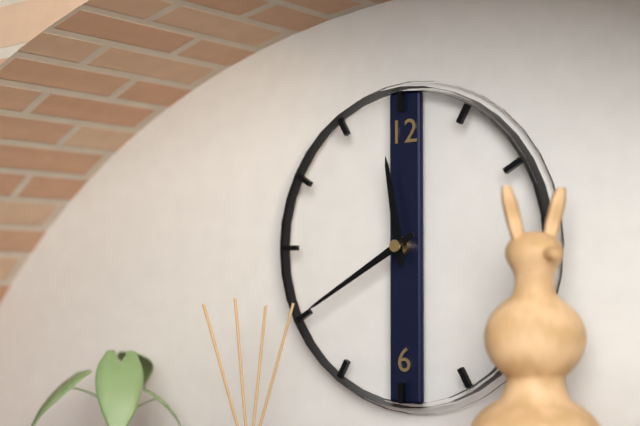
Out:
11 h 40 min
